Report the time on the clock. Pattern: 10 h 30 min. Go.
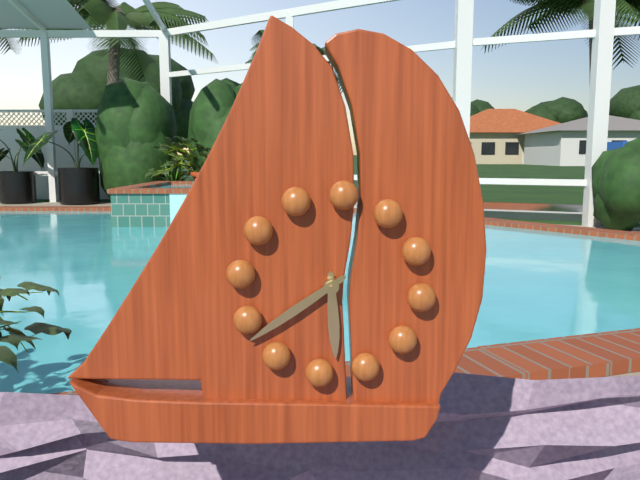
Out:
5 h 38 min
